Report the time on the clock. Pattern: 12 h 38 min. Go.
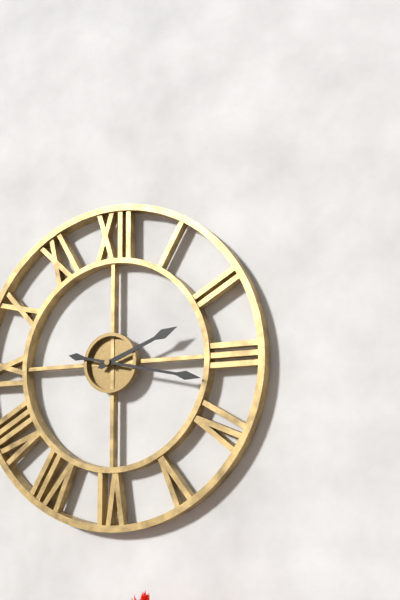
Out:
2 h 17 min
